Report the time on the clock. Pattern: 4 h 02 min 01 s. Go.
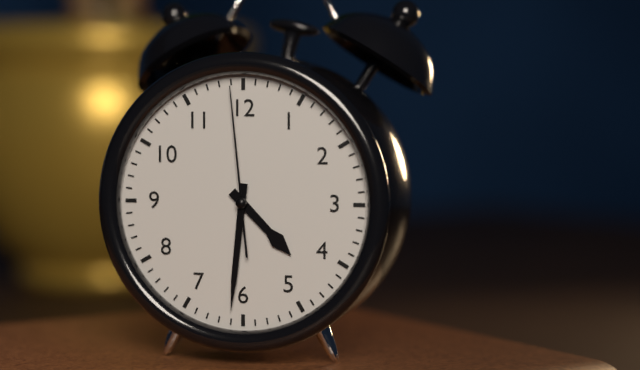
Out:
4 h 31 min 59 s
